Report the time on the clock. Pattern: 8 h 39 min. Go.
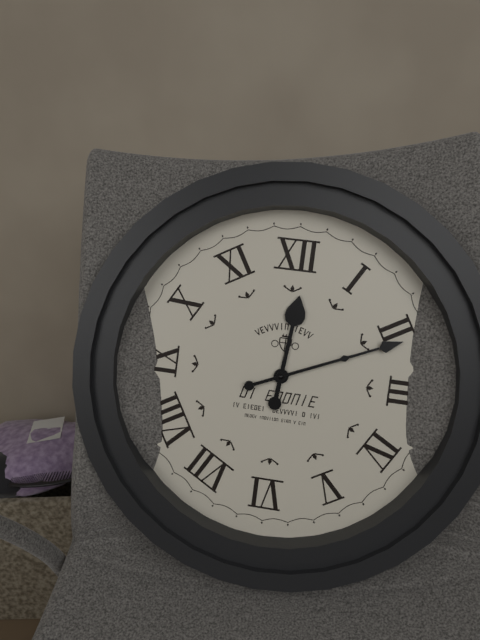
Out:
12 h 11 min
